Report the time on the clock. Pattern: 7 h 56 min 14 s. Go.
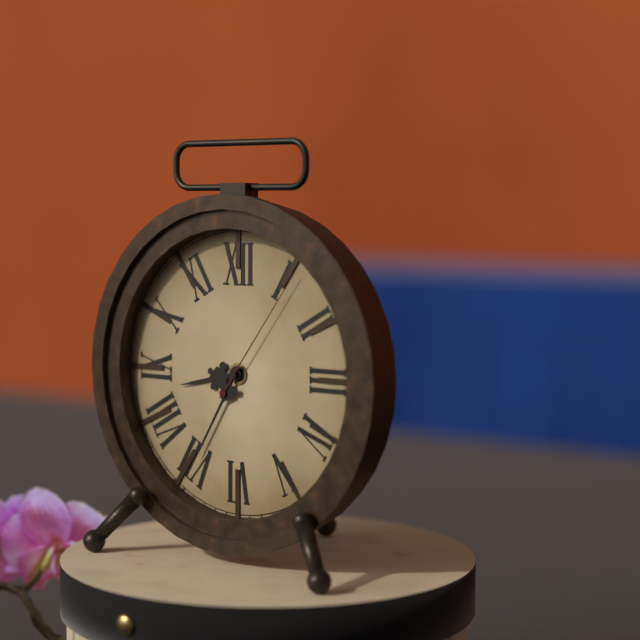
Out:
8 h 35 min 06 s
